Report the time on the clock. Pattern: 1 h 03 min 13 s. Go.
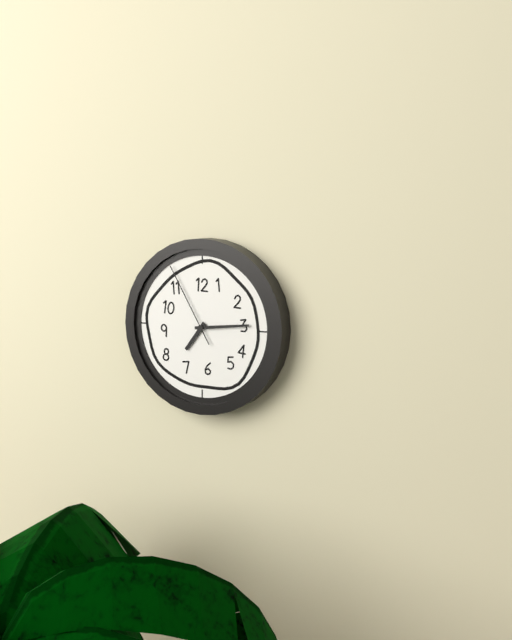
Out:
7 h 14 min 55 s
